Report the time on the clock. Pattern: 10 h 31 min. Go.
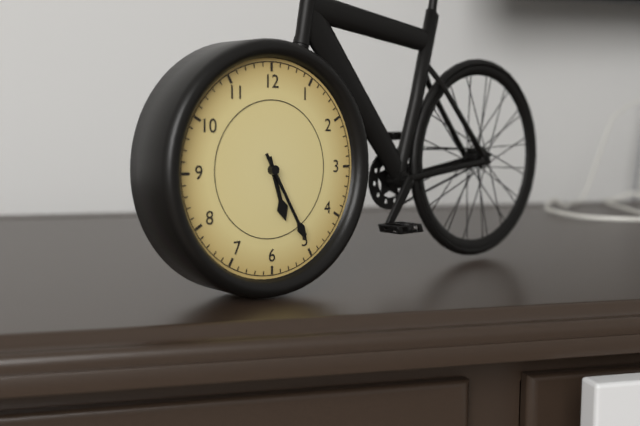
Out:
5 h 25 min
